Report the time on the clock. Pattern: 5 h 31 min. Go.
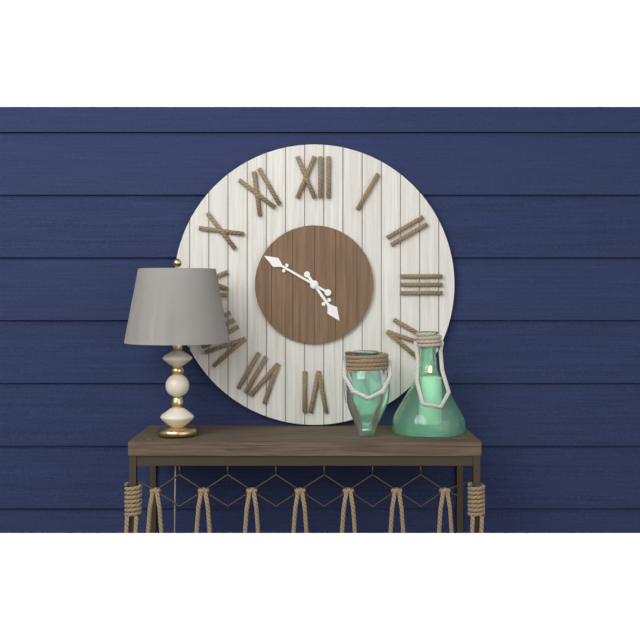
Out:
4 h 50 min
